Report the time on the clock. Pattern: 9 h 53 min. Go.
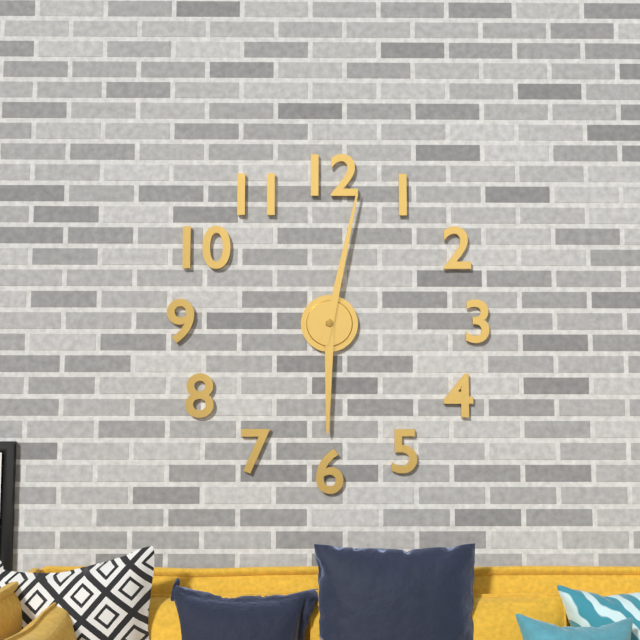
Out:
6 h 02 min
